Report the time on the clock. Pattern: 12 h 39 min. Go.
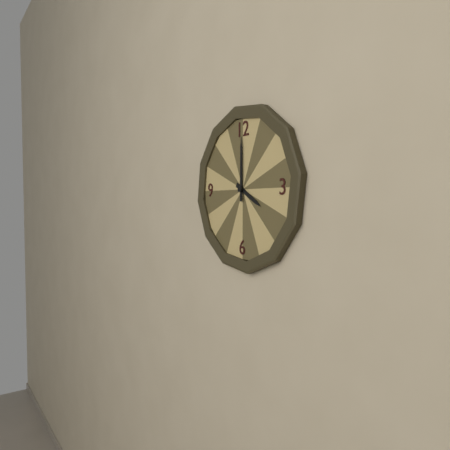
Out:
4 h 00 min
